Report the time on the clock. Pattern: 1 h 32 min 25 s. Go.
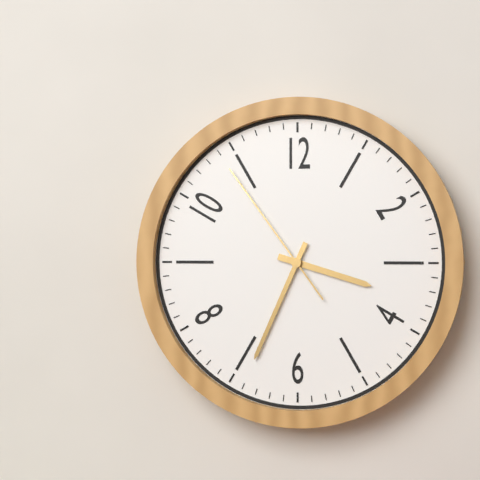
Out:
3 h 34 min 54 s
